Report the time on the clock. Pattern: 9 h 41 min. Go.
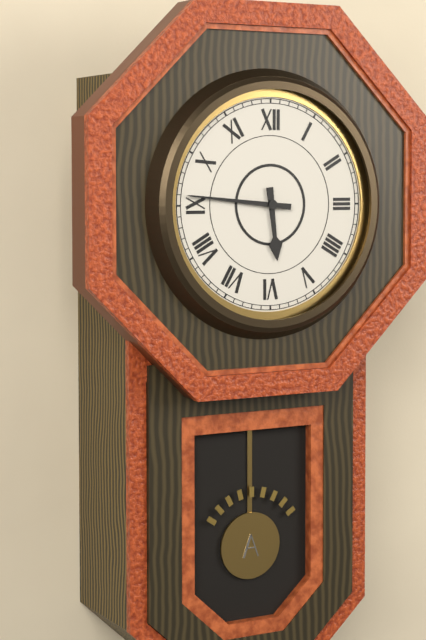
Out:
5 h 46 min
